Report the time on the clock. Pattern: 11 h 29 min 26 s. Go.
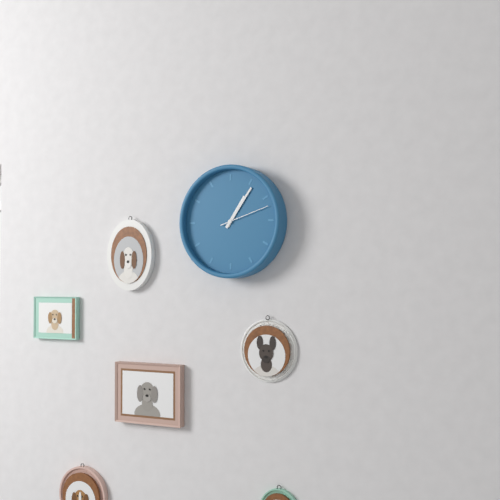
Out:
1 h 06 min 12 s
